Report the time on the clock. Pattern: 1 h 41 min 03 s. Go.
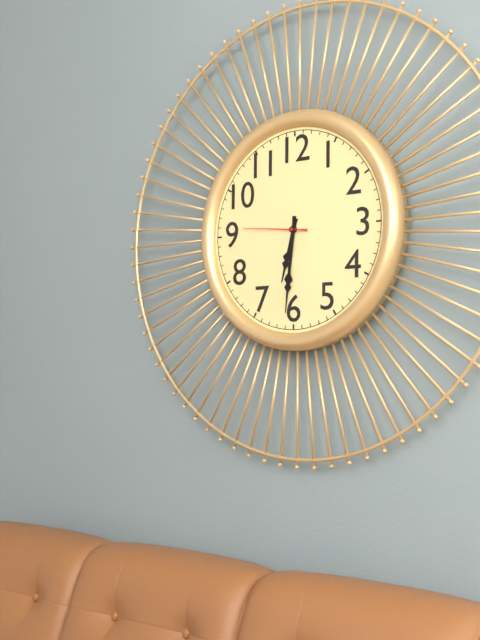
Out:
6 h 31 min 46 s
